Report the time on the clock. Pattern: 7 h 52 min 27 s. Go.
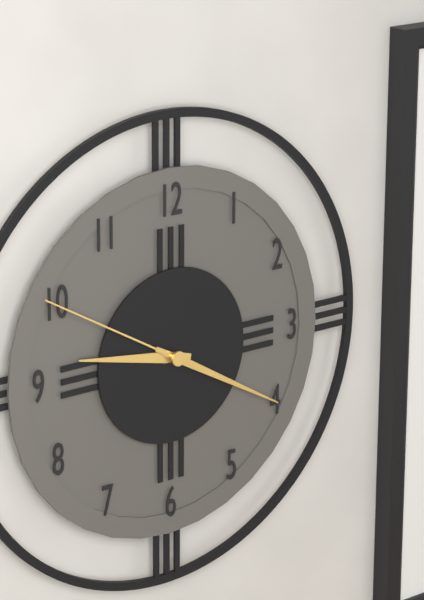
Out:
9 h 20 min 50 s
